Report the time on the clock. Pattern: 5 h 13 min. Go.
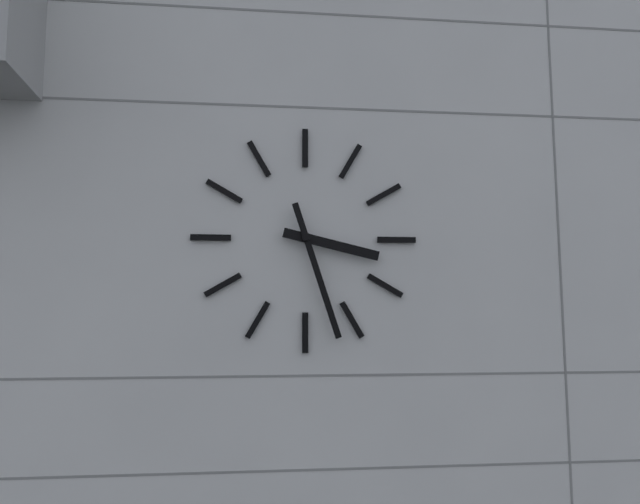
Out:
3 h 27 min
